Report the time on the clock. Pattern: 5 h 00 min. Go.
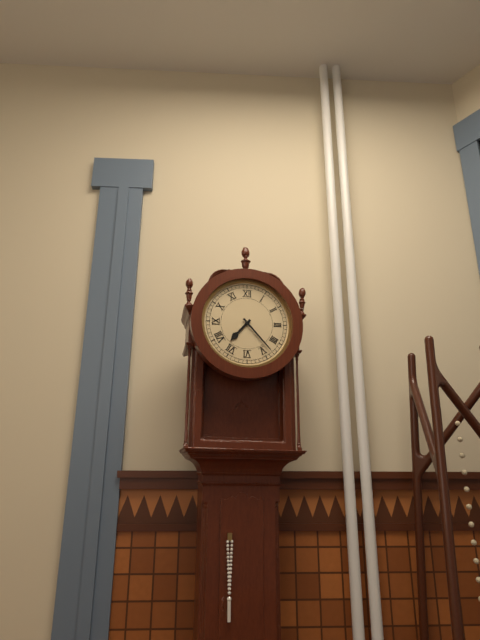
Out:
7 h 23 min
